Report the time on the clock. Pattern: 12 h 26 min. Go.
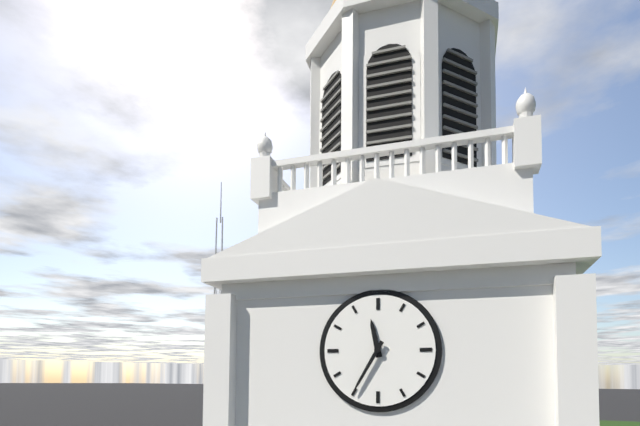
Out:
11 h 35 min
